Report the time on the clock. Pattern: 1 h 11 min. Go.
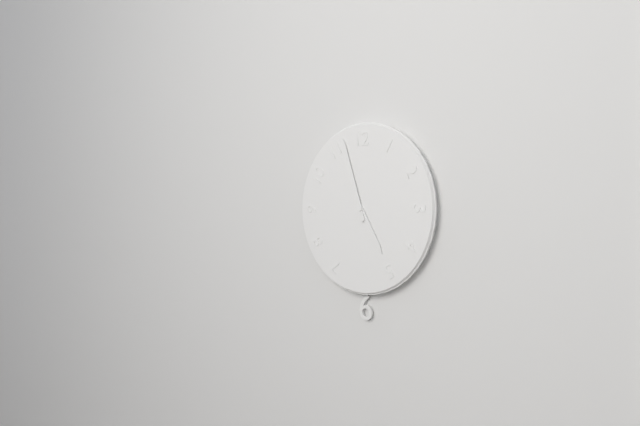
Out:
4 h 57 min
